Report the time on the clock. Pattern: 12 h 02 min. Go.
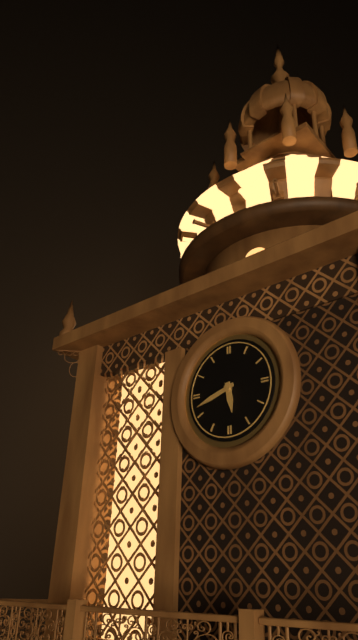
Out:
5 h 42 min
